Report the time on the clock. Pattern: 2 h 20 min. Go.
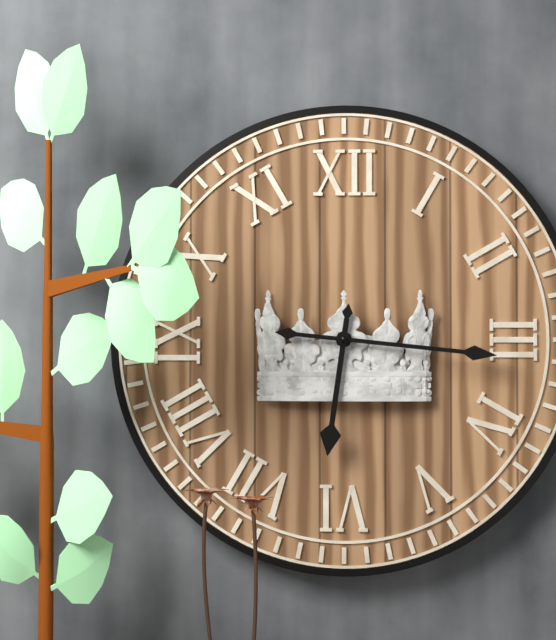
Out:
6 h 16 min
